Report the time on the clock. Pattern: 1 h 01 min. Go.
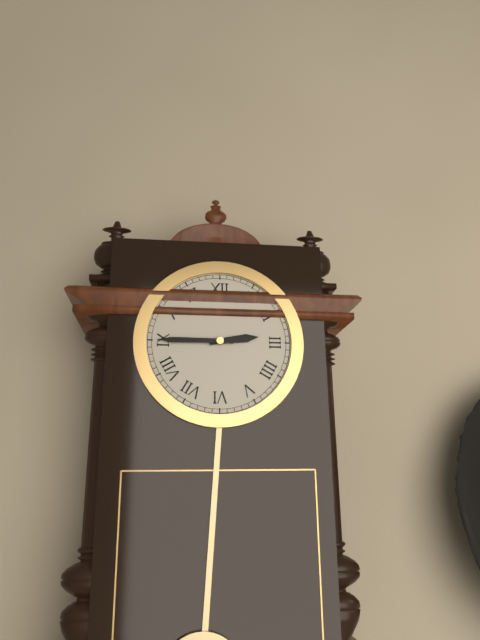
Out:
2 h 45 min
